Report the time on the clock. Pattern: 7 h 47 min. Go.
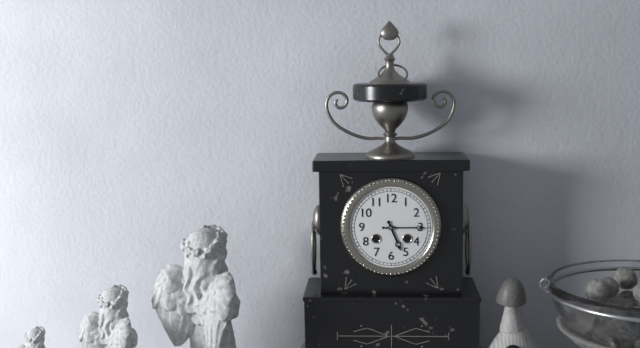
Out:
5 h 15 min
